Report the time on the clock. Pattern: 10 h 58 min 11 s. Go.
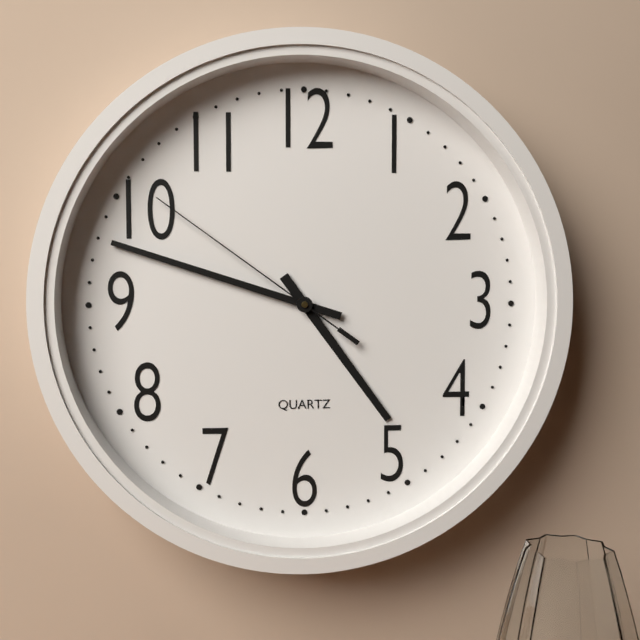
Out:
4 h 48 min 51 s
